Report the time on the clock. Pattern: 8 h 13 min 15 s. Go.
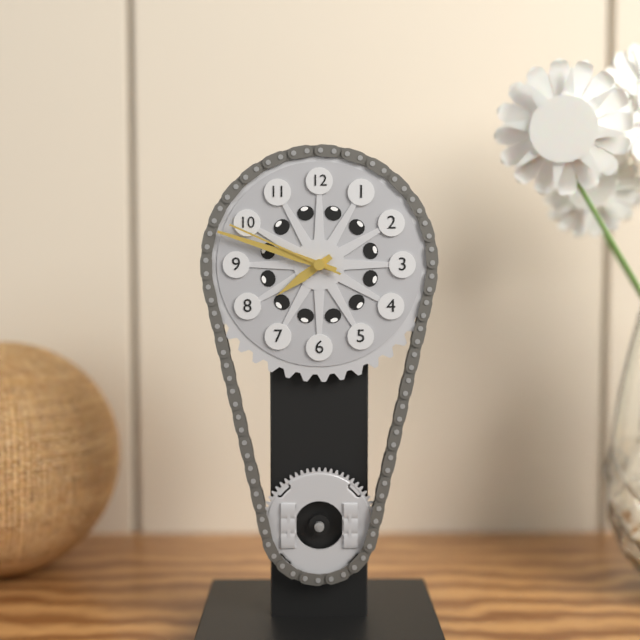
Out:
7 h 48 min 49 s
